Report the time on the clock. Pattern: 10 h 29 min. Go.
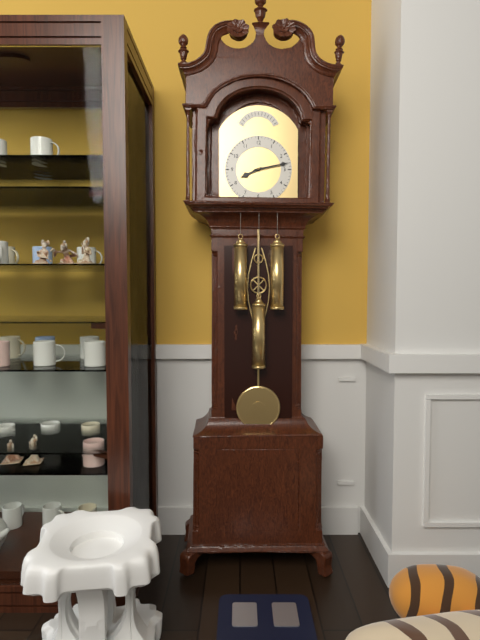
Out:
8 h 13 min
